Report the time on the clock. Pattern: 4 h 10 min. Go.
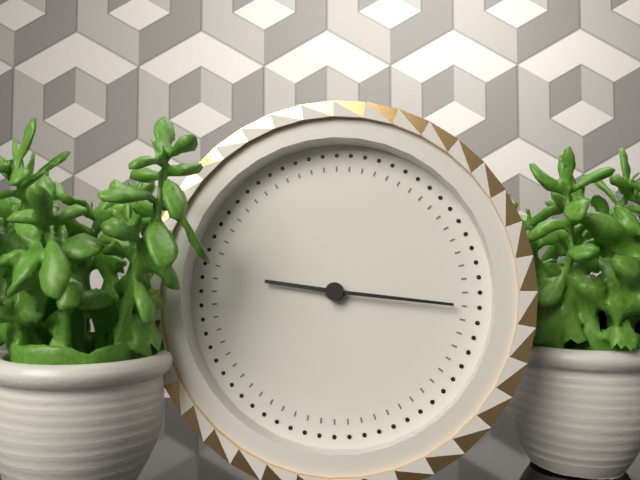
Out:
9 h 16 min
